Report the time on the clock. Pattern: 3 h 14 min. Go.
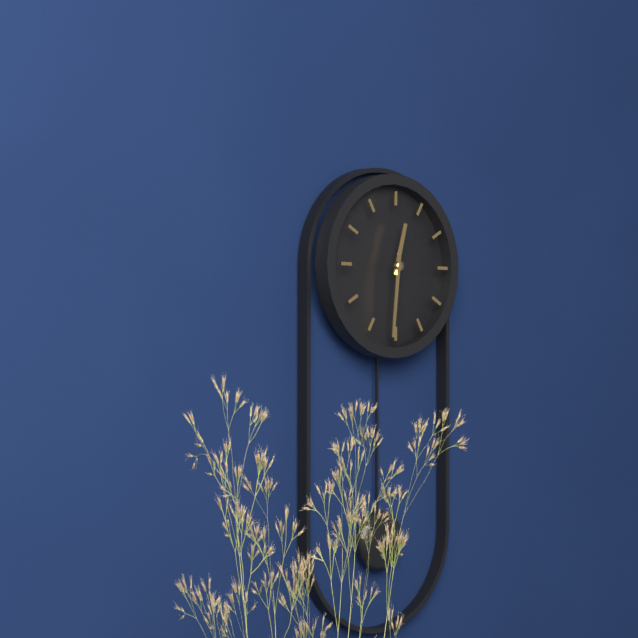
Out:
12 h 31 min
